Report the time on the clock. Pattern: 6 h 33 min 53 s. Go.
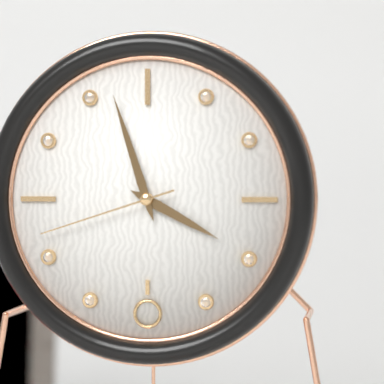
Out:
3 h 57 min 42 s
